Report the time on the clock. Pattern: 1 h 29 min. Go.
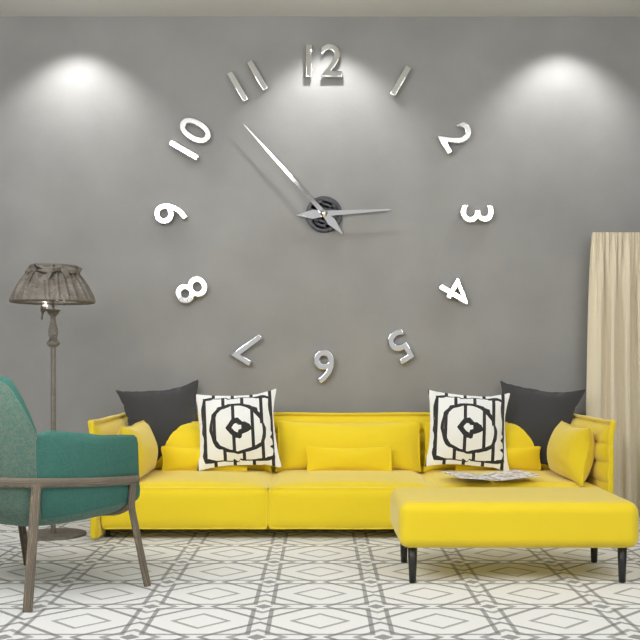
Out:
2 h 53 min
